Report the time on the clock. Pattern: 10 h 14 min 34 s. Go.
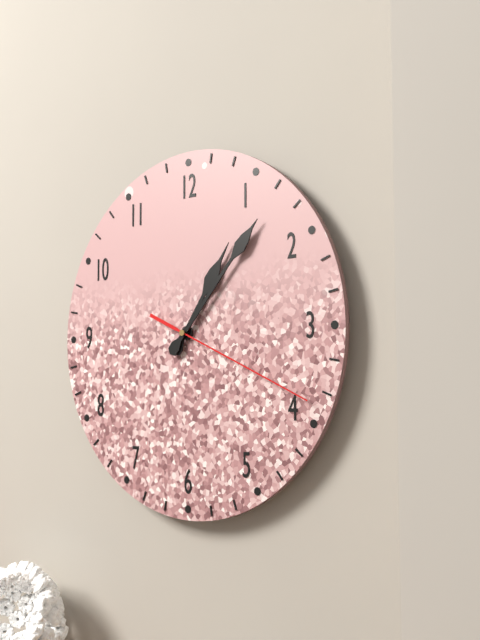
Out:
1 h 07 min 19 s
